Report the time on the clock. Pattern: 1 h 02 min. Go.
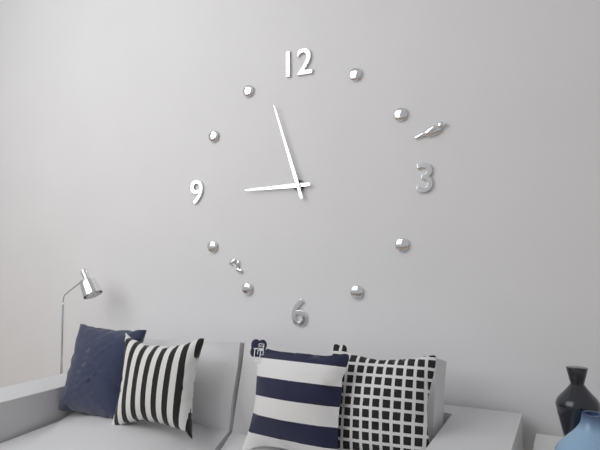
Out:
8 h 57 min
